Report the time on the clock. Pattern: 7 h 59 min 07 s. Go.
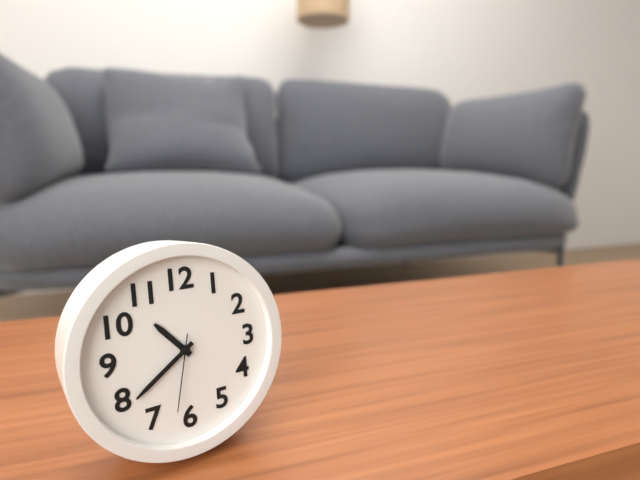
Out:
10 h 39 min 32 s
